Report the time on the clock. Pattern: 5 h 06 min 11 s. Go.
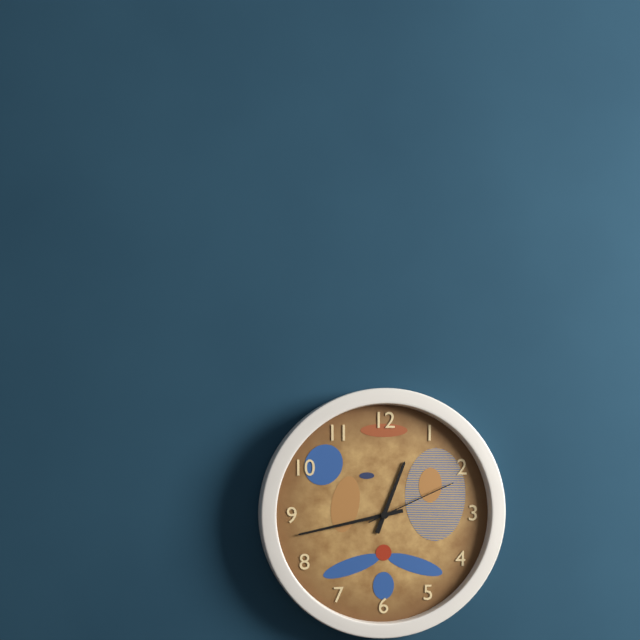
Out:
12 h 43 min 11 s
